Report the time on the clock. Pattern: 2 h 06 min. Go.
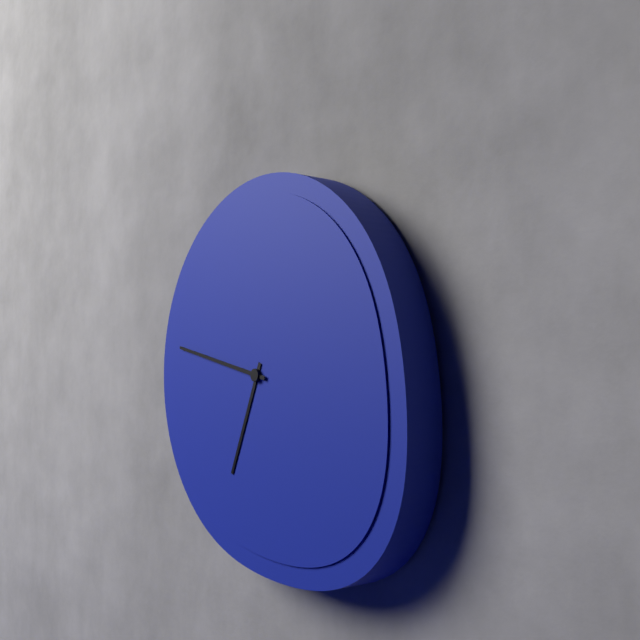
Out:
6 h 47 min
